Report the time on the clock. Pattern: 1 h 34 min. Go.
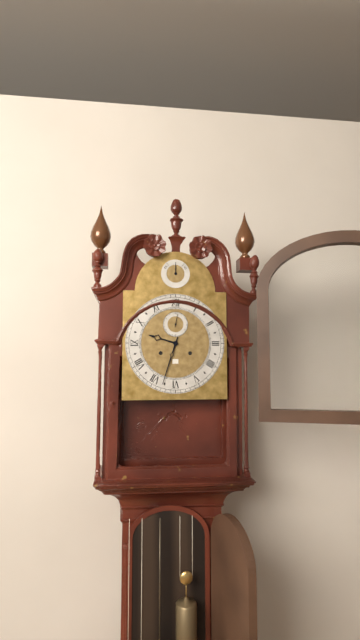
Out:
9 h 33 min
